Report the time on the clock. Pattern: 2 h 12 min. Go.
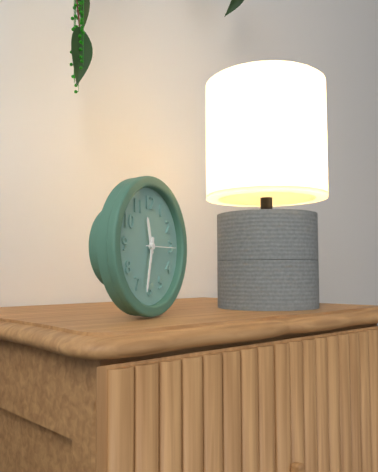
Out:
11 h 32 min
